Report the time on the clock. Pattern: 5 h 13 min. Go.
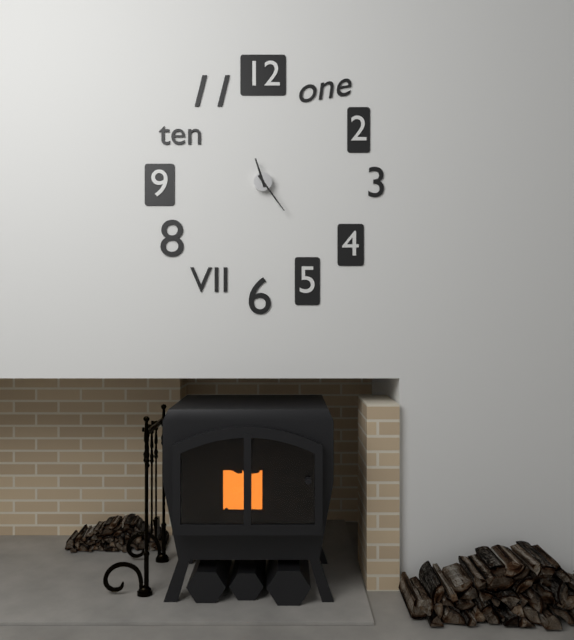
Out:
11 h 24 min
